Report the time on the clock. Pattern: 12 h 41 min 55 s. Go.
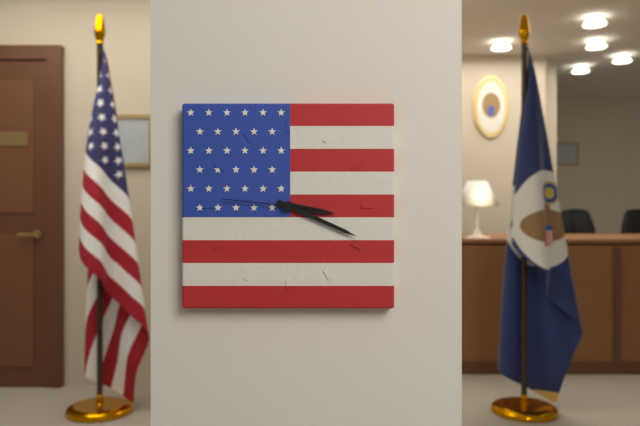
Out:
3 h 19 min 46 s
